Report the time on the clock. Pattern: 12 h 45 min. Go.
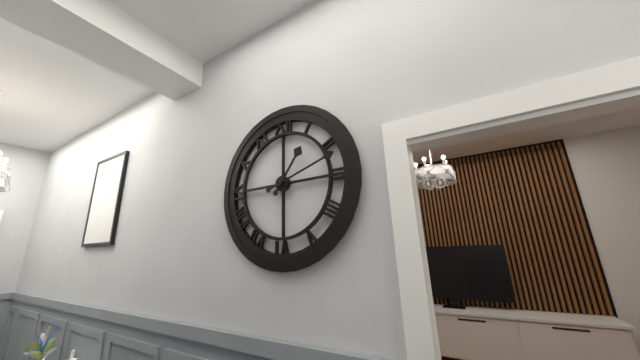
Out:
1 h 12 min
